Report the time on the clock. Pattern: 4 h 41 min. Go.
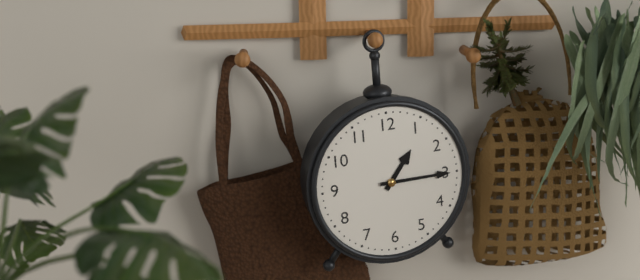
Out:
1 h 15 min
